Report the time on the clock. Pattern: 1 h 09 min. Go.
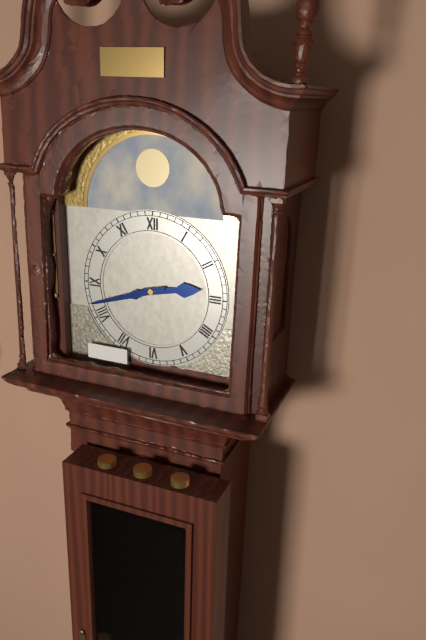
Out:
2 h 42 min
